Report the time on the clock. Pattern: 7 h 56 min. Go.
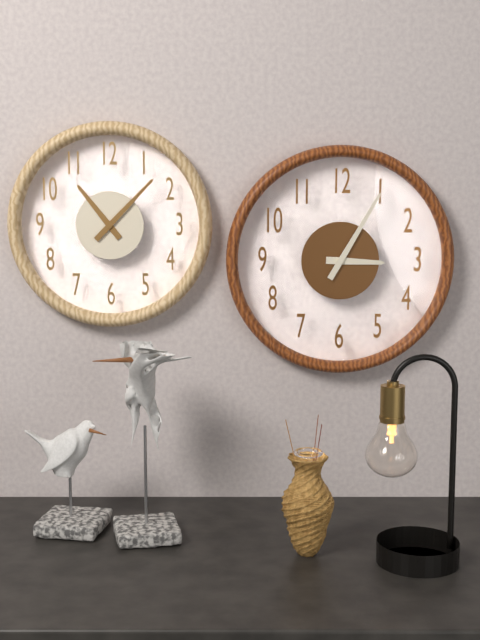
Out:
3 h 05 min
